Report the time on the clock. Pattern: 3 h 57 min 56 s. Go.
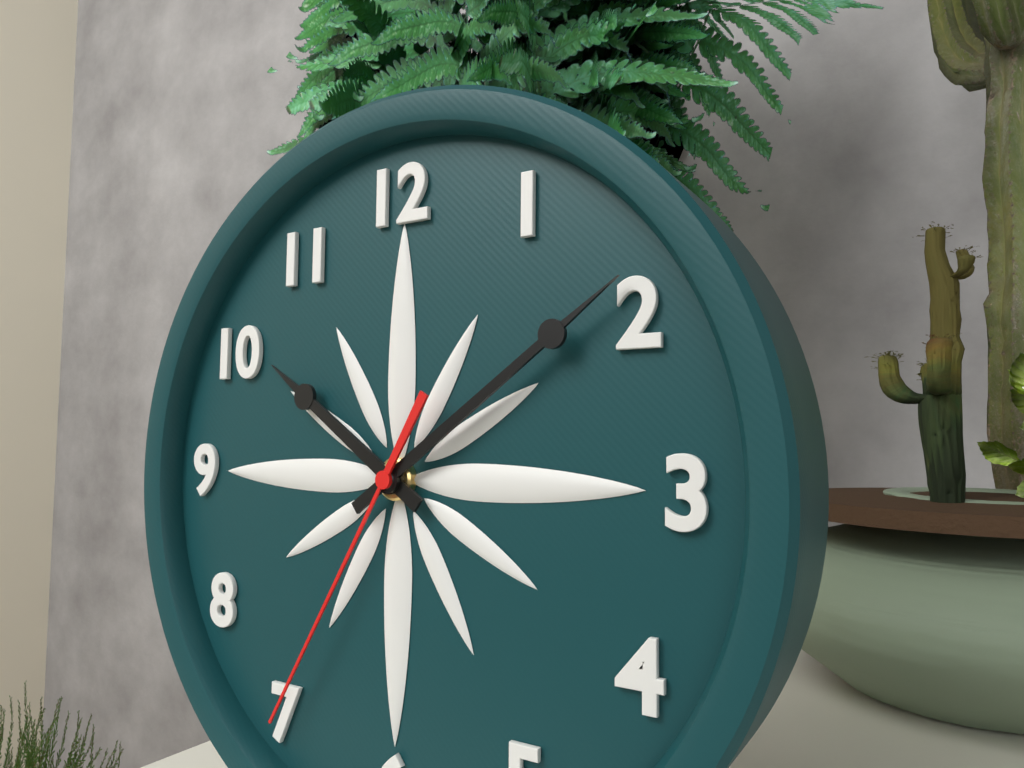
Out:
10 h 09 min 35 s
